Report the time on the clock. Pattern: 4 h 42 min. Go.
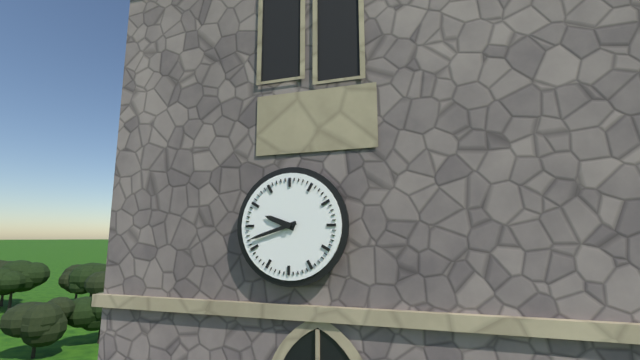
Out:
9 h 42 min
